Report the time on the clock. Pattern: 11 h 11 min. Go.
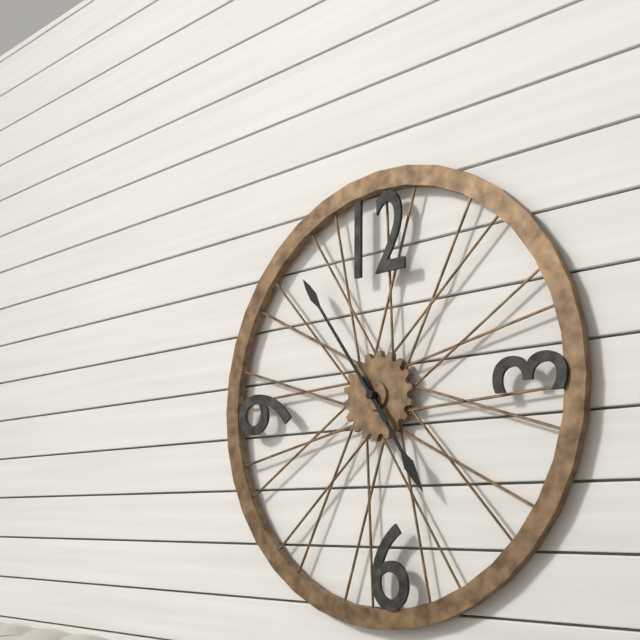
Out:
4 h 54 min
